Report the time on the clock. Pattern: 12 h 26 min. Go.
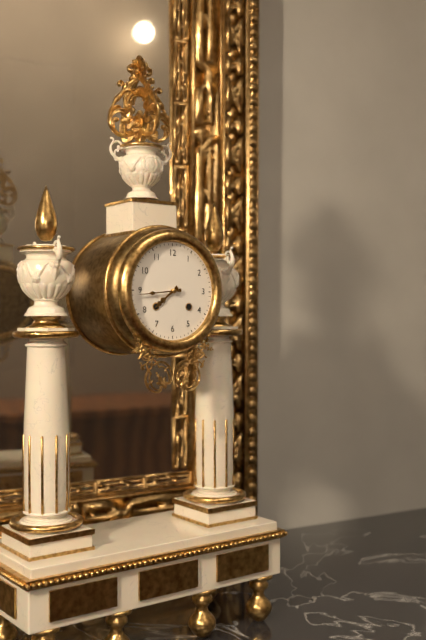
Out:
7 h 44 min
